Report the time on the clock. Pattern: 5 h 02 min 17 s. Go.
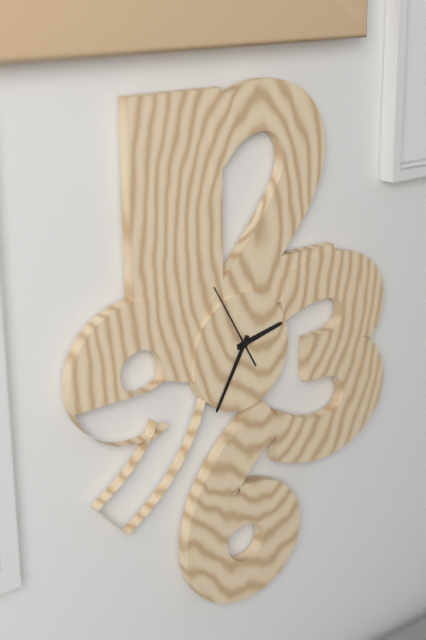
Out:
2 h 35 min 55 s
